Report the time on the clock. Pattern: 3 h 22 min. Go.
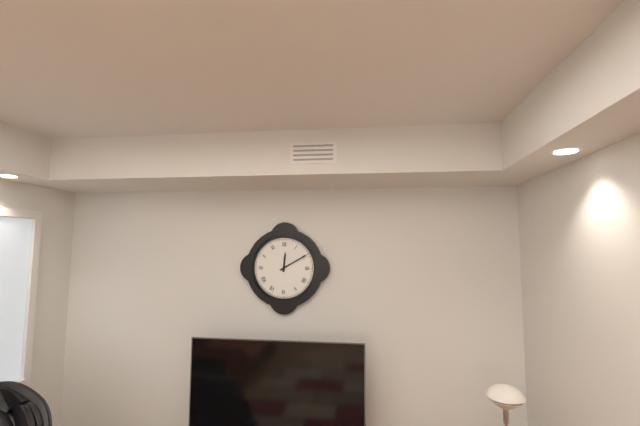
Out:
12 h 10 min
